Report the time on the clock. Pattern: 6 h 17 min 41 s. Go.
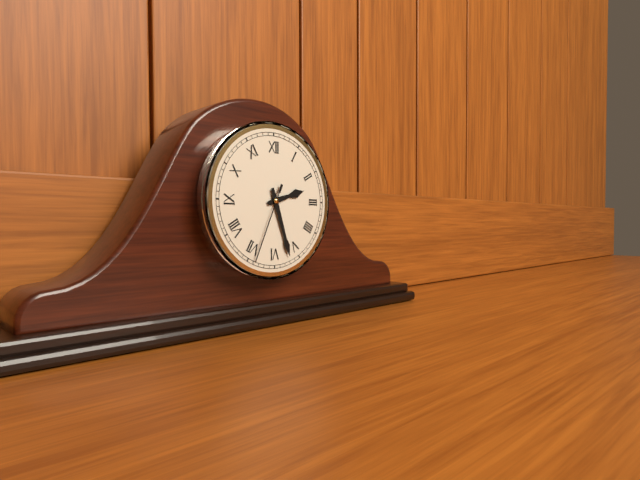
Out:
2 h 27 min 34 s
